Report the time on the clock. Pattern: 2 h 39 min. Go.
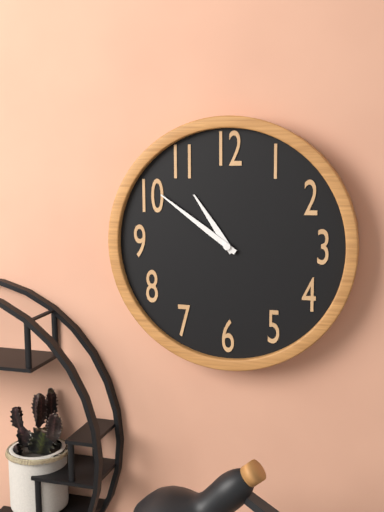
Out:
10 h 51 min
